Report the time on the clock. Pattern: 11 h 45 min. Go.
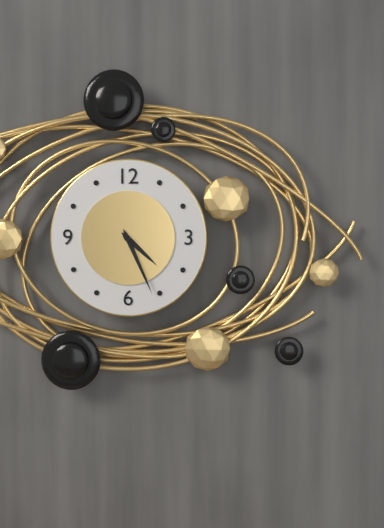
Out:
4 h 26 min
